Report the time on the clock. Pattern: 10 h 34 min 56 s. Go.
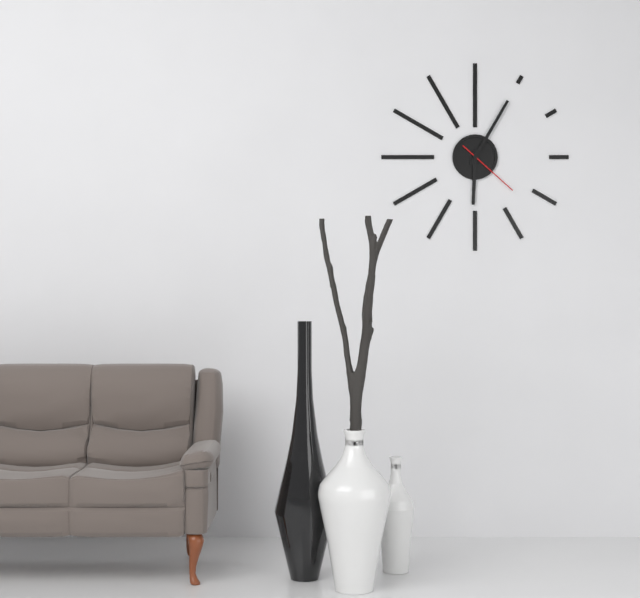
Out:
6 h 05 min 22 s
